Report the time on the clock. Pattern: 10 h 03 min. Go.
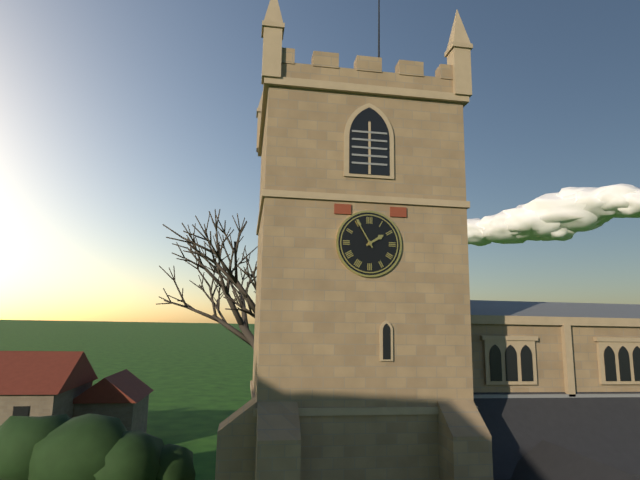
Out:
1 h 55 min
